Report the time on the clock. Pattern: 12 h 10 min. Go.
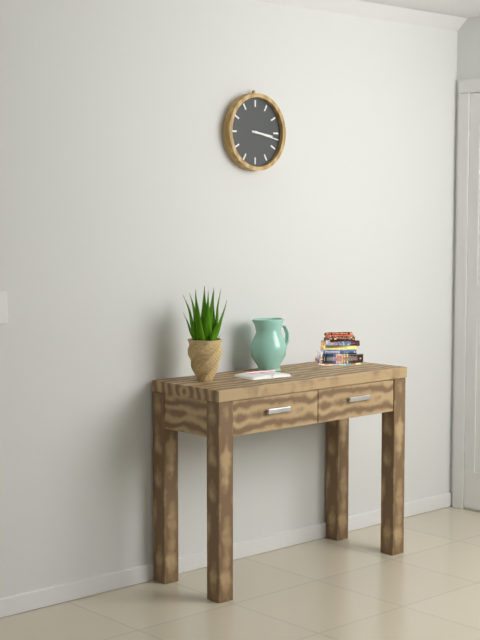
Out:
3 h 17 min
